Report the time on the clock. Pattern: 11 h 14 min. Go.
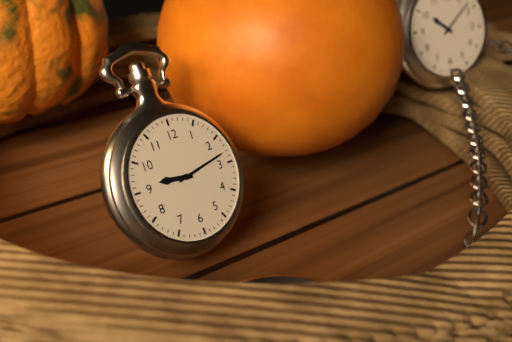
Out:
9 h 13 min
